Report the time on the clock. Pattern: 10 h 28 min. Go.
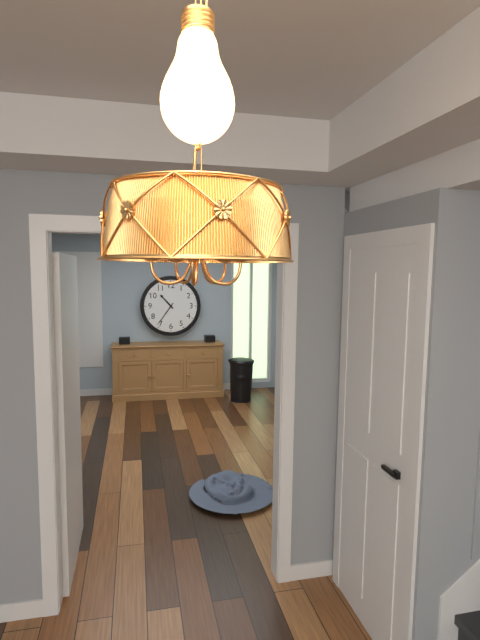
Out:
10 h 36 min
